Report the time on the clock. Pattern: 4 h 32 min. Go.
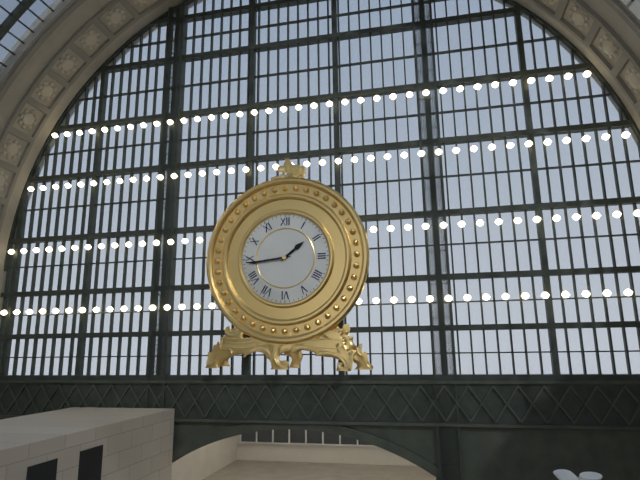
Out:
1 h 44 min
